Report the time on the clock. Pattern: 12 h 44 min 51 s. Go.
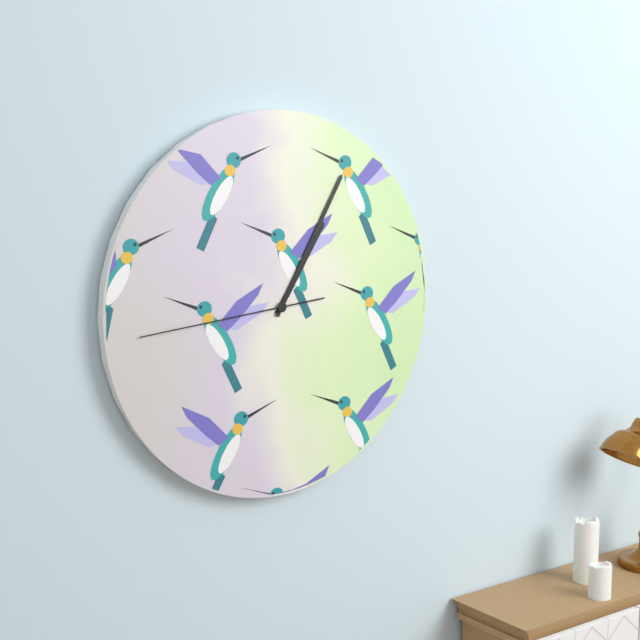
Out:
1 h 05 min 44 s
